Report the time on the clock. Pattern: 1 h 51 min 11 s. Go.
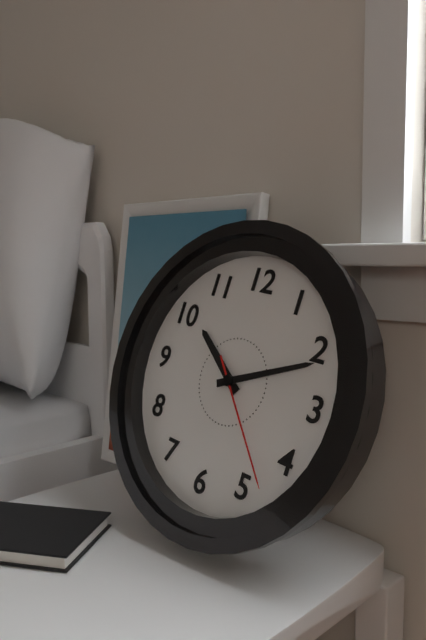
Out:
10 h 11 min 23 s
